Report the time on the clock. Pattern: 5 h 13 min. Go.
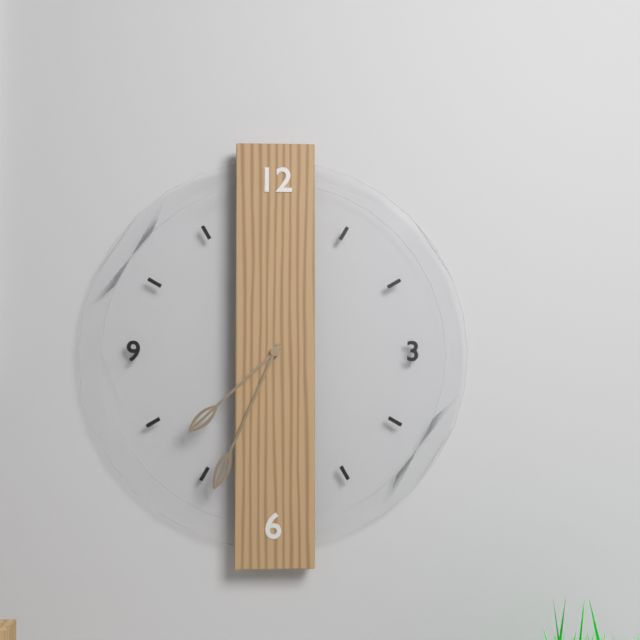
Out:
7 h 34 min
